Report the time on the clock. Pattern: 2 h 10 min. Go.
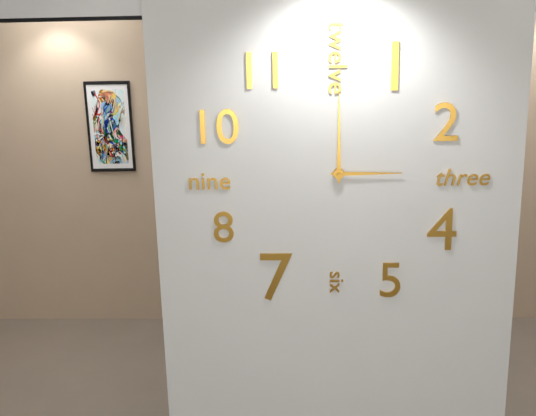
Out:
3 h 00 min
